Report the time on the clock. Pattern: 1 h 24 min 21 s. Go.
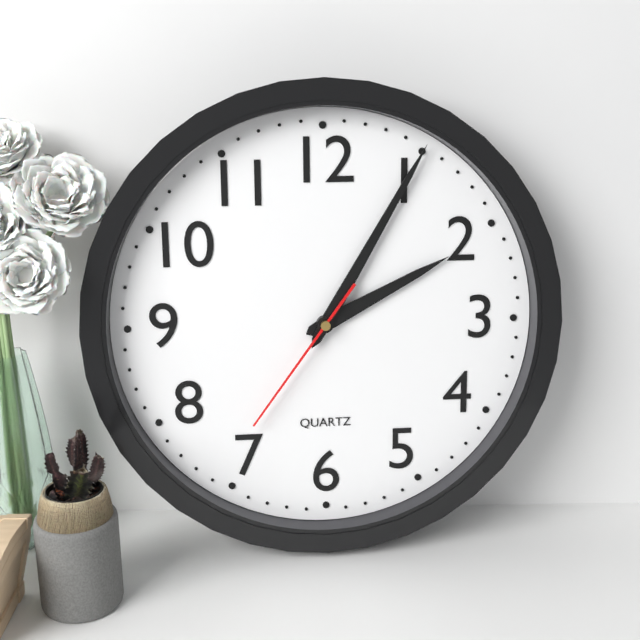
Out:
2 h 05 min 36 s
